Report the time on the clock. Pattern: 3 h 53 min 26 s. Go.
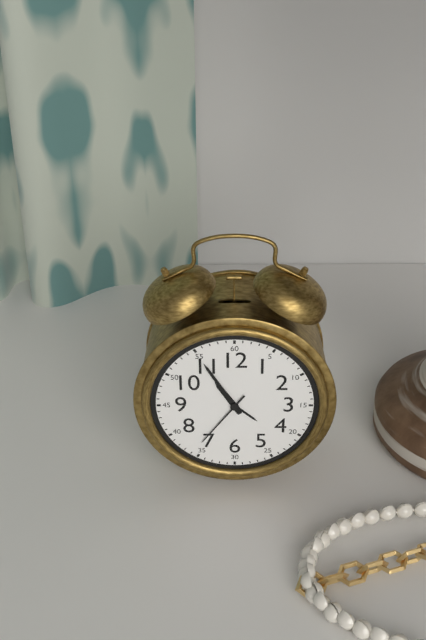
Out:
10 h 55 min 36 s
